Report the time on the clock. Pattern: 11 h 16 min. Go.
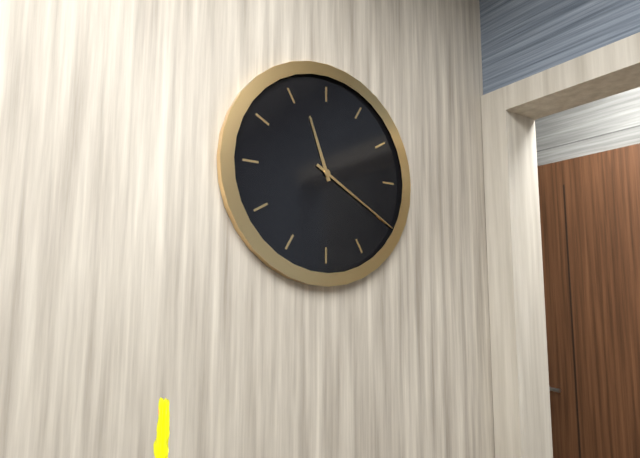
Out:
11 h 20 min
